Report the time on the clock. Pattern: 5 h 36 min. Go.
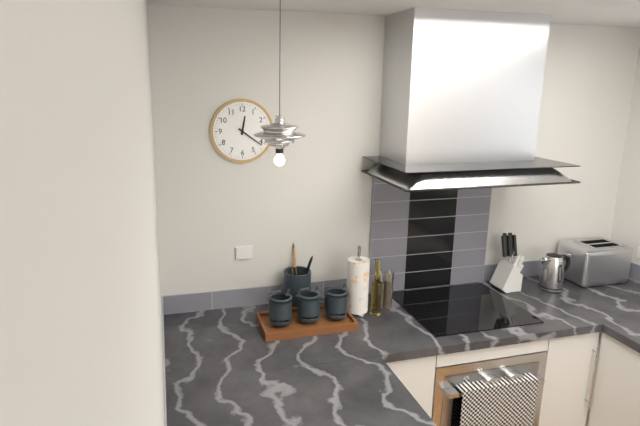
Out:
12 h 21 min
